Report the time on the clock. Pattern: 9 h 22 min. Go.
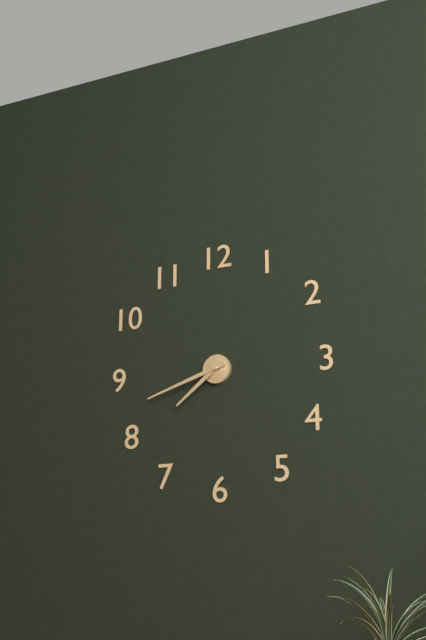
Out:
7 h 42 min
